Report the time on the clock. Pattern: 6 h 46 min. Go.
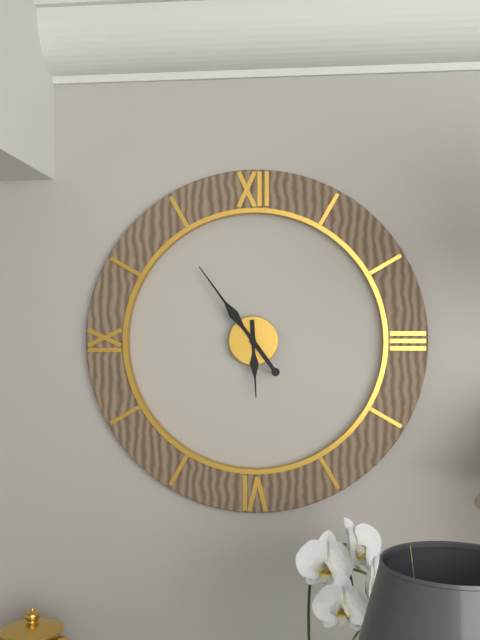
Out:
5 h 54 min
